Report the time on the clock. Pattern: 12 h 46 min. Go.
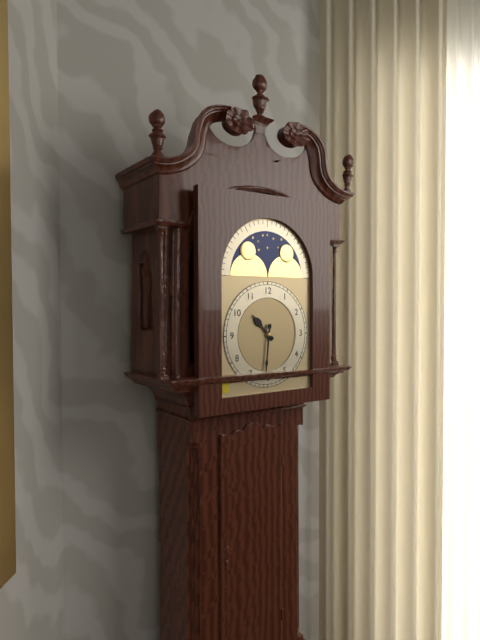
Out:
10 h 31 min
